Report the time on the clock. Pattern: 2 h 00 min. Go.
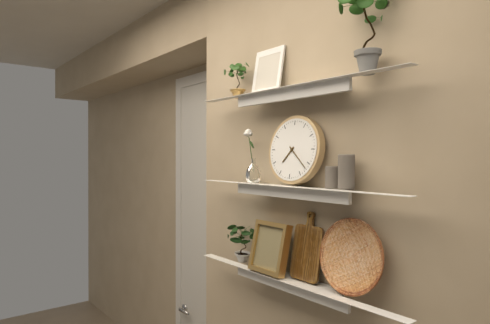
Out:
7 h 22 min
